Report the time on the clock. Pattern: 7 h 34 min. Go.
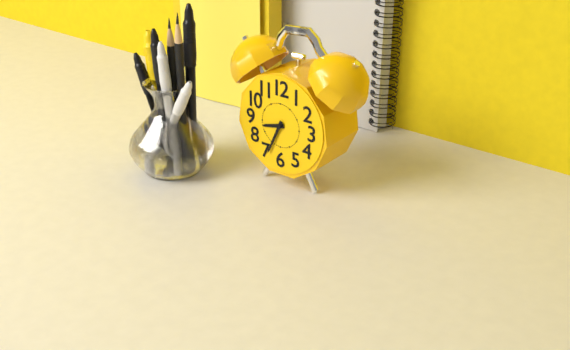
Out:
8 h 34 min
